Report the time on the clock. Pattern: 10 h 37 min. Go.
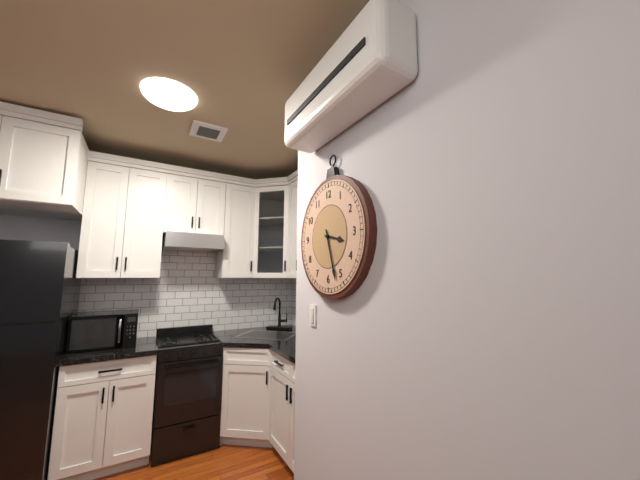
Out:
3 h 27 min
